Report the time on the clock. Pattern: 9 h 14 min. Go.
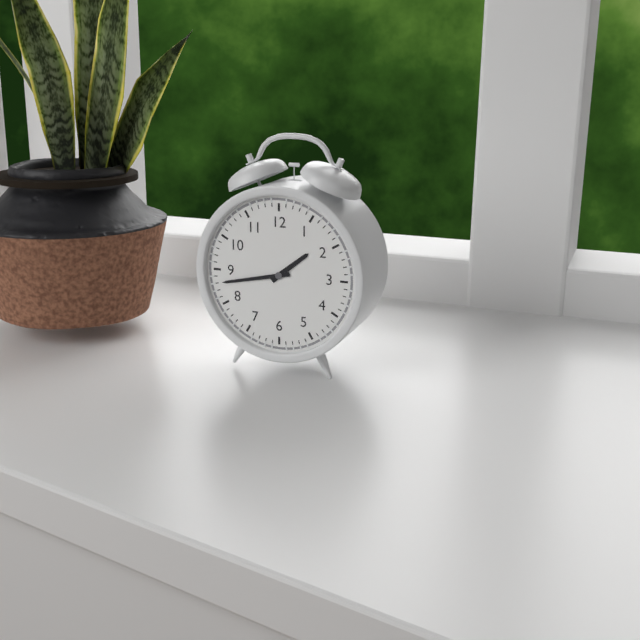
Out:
1 h 43 min
